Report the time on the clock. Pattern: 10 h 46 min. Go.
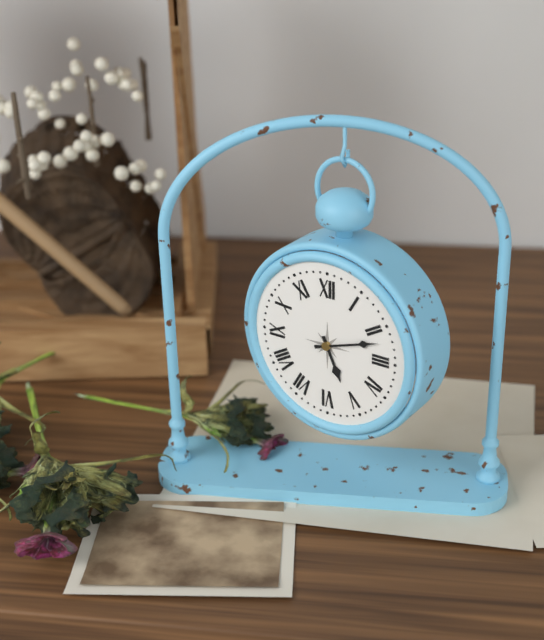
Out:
5 h 12 min
